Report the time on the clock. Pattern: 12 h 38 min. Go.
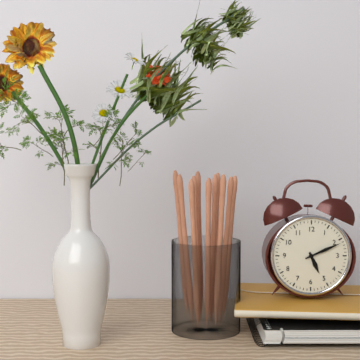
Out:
5 h 11 min
